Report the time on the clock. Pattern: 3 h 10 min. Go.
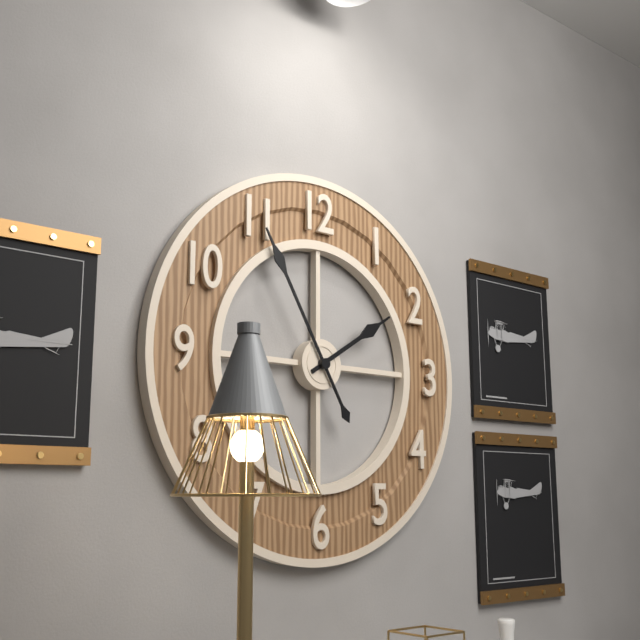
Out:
1 h 55 min
